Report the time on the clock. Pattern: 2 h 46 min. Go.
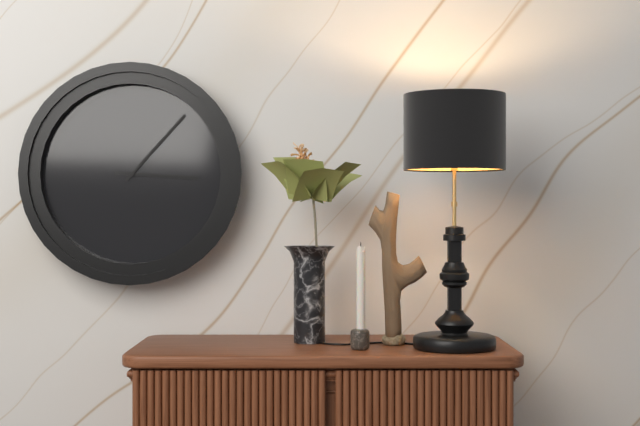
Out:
3 h 07 min
